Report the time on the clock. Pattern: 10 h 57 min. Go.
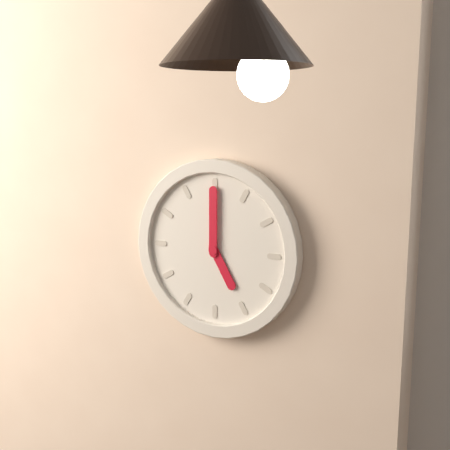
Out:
5 h 00 min
